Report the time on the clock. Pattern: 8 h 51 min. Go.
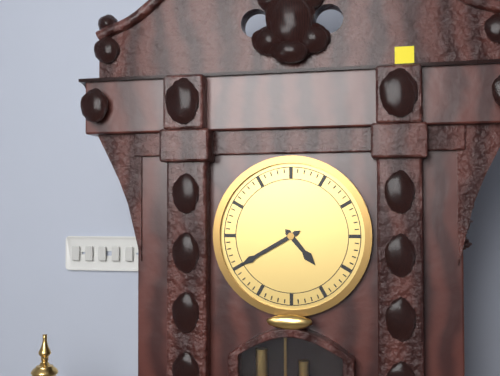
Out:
4 h 40 min
